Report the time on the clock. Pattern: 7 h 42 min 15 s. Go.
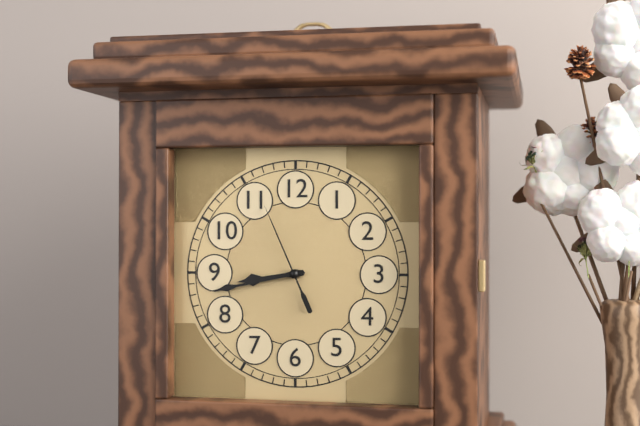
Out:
8 h 43 min 56 s
